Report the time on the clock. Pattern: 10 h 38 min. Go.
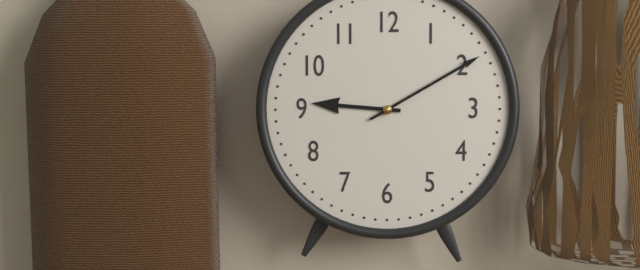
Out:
9 h 10 min
